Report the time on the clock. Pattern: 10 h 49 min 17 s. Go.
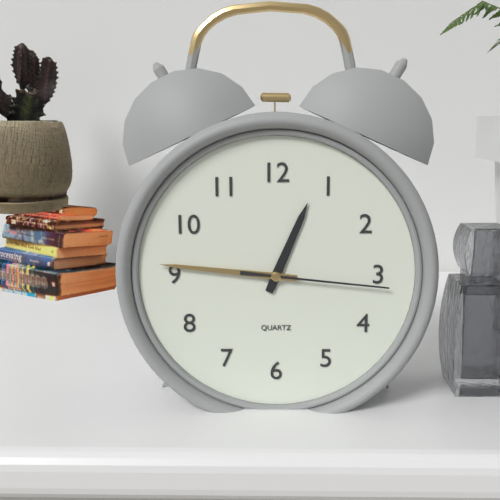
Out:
12 h 46 min 16 s
